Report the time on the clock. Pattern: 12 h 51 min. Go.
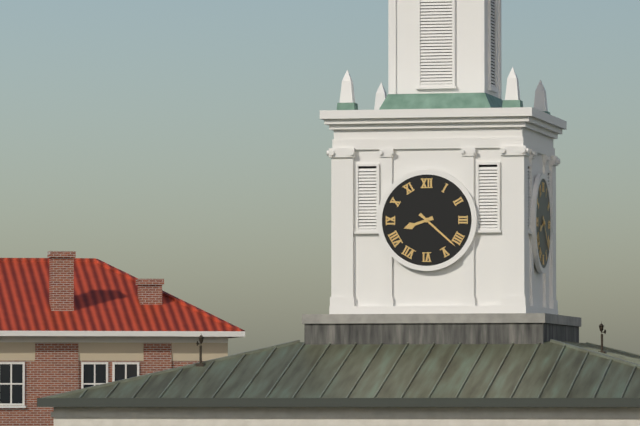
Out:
8 h 22 min
